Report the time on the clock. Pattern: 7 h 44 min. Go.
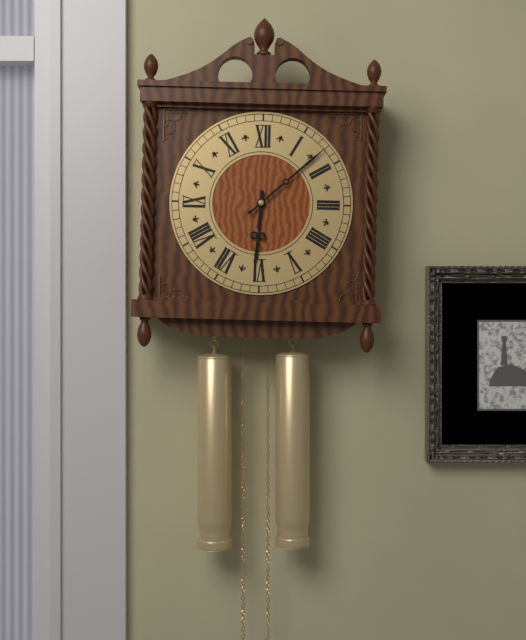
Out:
6 h 08 min
